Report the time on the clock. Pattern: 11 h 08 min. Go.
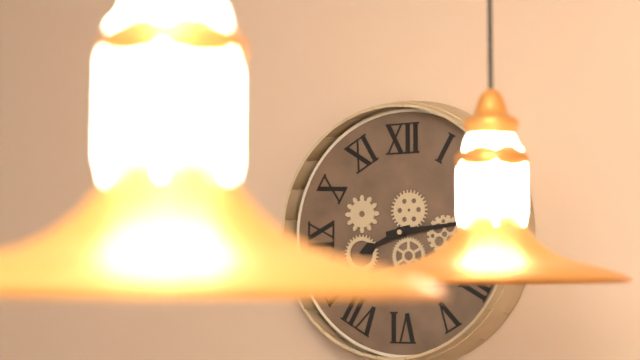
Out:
8 h 14 min
